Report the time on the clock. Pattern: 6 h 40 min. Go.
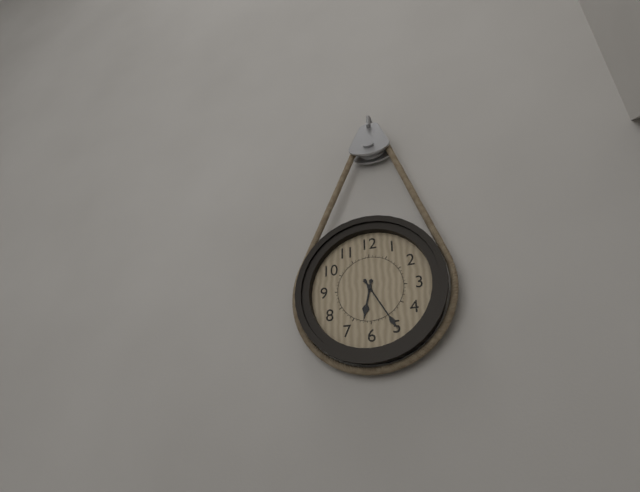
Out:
6 h 25 min
